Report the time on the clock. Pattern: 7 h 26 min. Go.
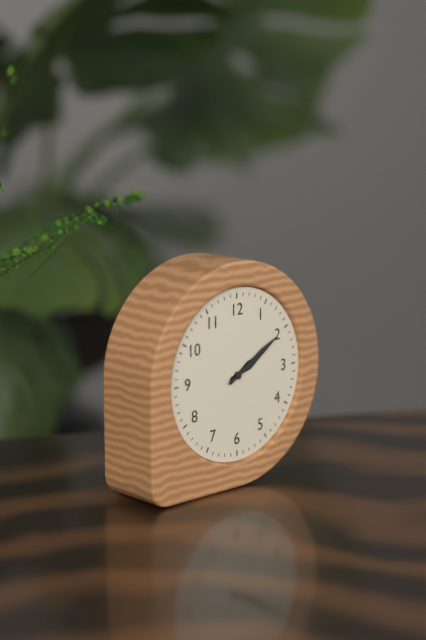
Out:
2 h 10 min
